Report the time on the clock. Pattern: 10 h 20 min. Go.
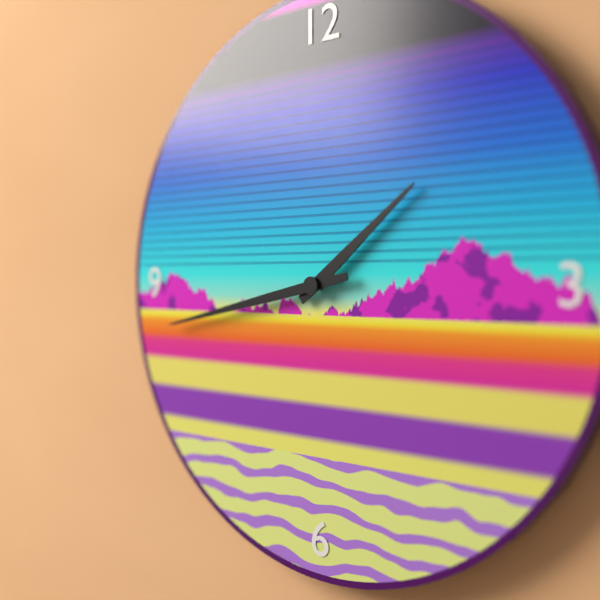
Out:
1 h 43 min
